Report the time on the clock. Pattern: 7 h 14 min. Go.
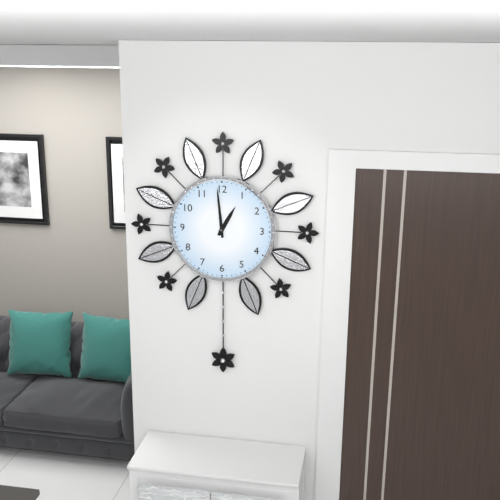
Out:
12 h 59 min
